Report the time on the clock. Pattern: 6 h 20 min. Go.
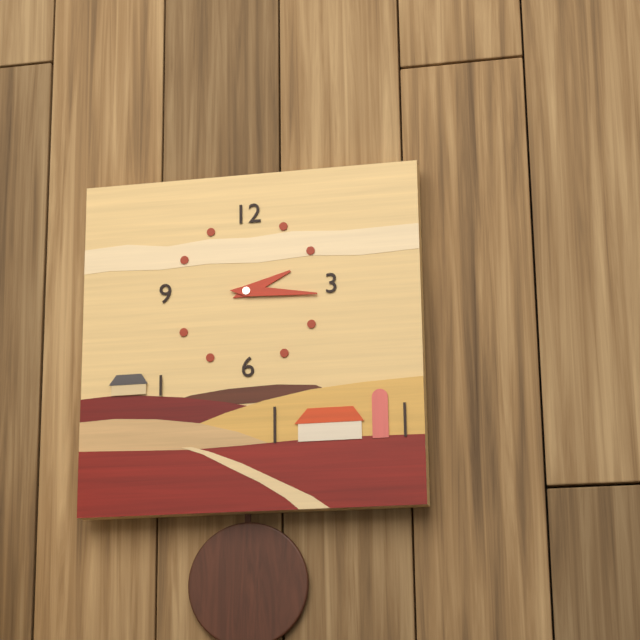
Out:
2 h 16 min
